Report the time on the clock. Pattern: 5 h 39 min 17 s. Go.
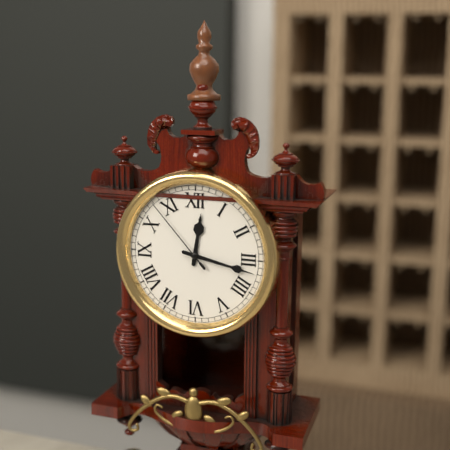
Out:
12 h 17 min 53 s
